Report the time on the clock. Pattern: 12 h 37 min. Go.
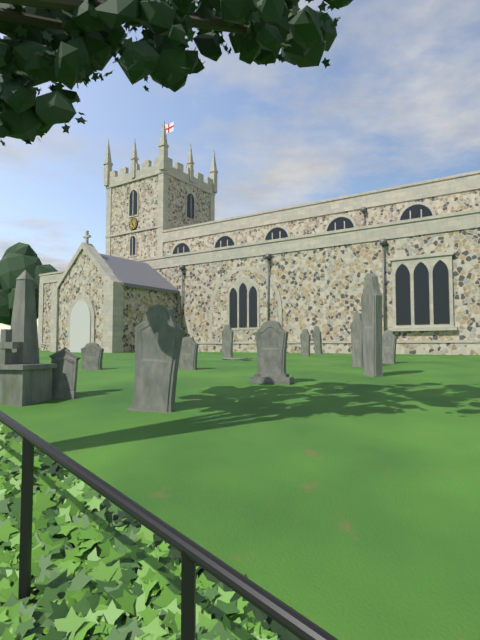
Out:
4 h 57 min
